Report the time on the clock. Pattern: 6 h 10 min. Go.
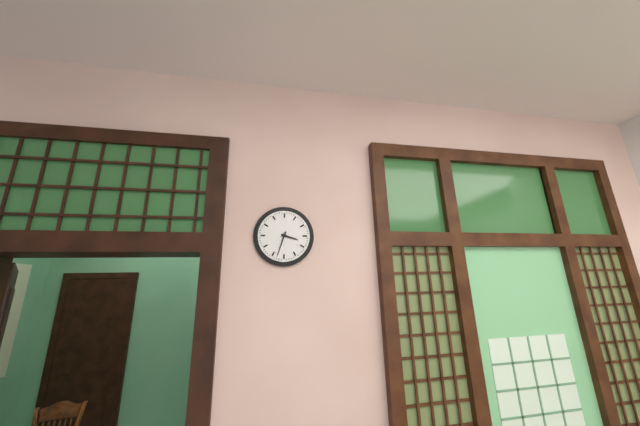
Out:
3 h 33 min
